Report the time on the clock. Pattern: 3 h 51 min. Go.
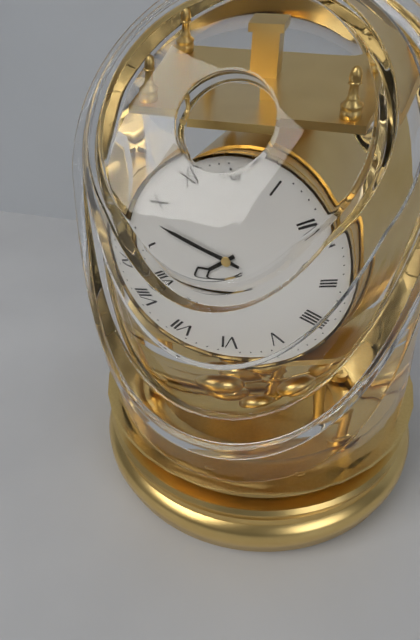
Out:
7 h 48 min
